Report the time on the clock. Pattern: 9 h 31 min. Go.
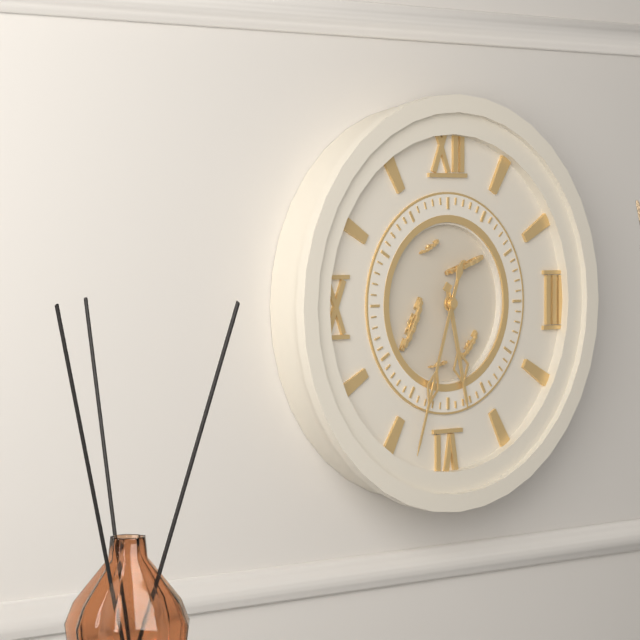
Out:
5 h 33 min
